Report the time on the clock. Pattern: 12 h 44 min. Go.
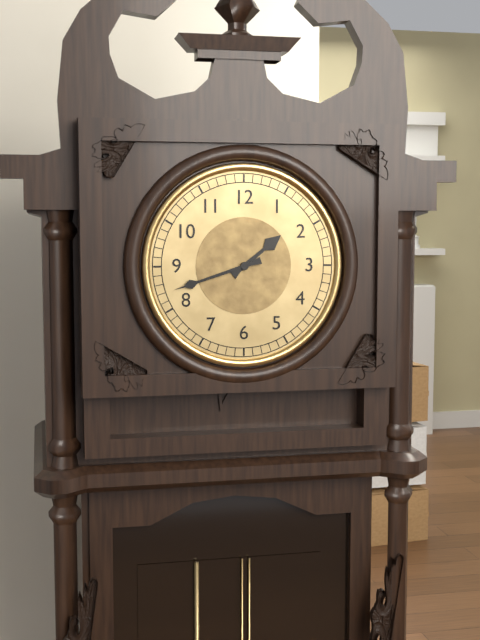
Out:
1 h 42 min
